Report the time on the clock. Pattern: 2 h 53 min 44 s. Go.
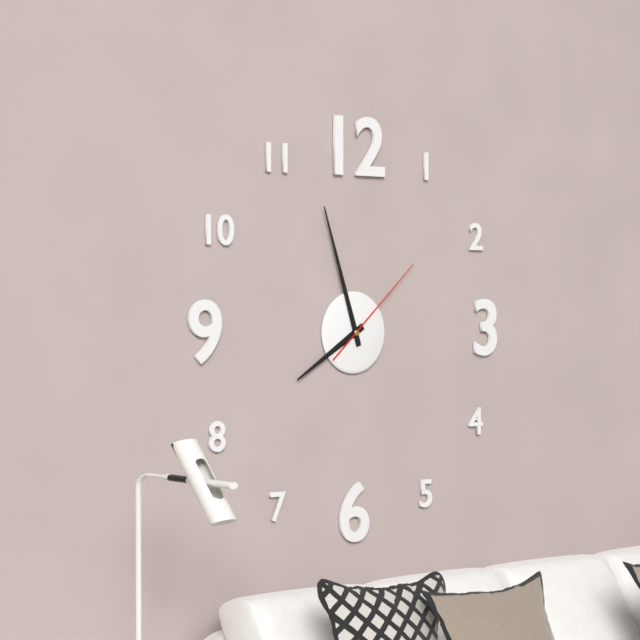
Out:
7 h 57 min 08 s
